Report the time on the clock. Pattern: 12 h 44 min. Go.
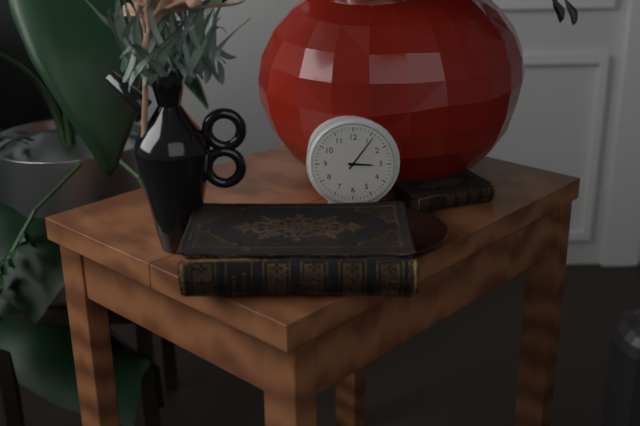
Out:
3 h 06 min
